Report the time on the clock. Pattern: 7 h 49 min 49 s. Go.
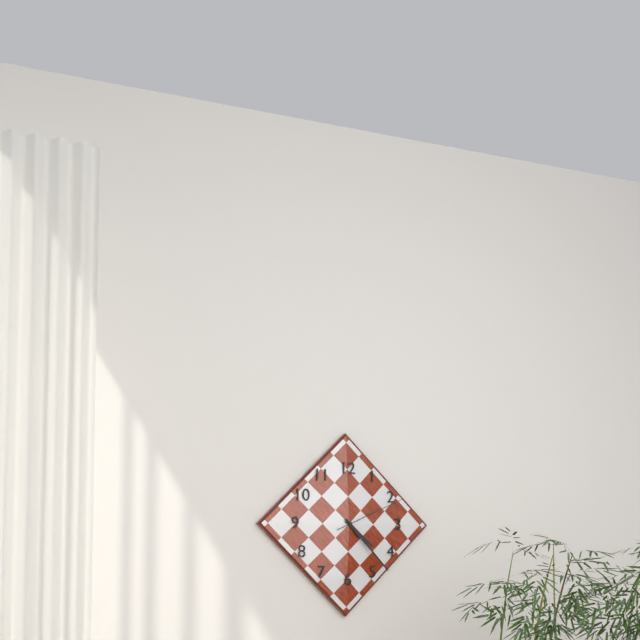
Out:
4 h 23 min 11 s
